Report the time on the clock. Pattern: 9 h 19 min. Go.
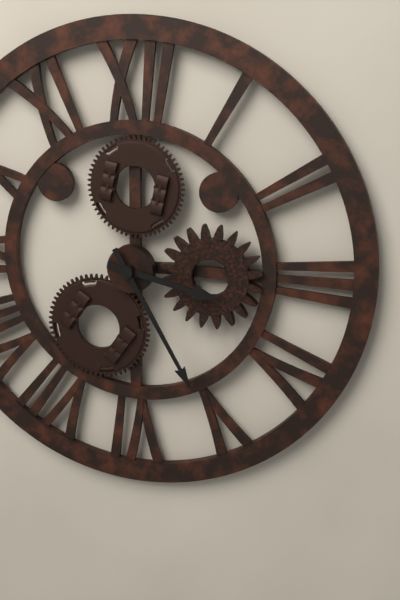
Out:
3 h 25 min
